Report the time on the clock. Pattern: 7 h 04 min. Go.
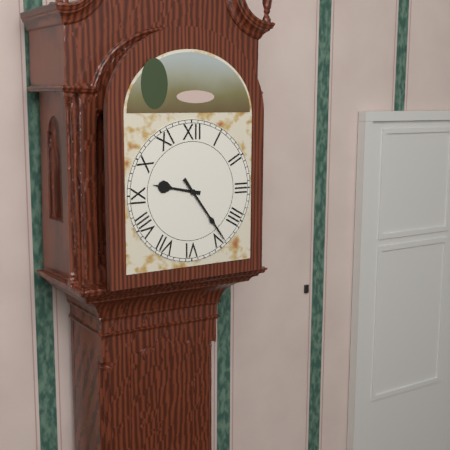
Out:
9 h 24 min
